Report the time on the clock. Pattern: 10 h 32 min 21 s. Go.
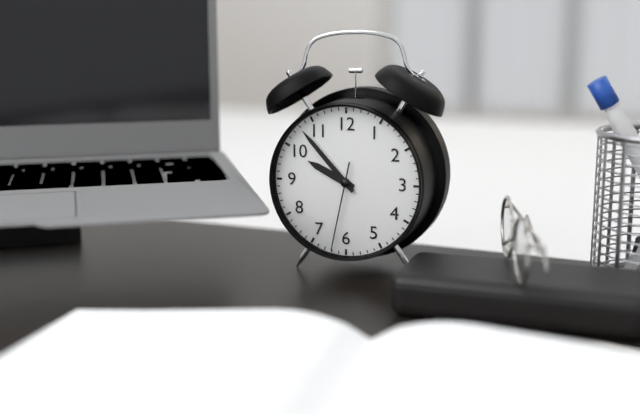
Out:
9 h 53 min 32 s
